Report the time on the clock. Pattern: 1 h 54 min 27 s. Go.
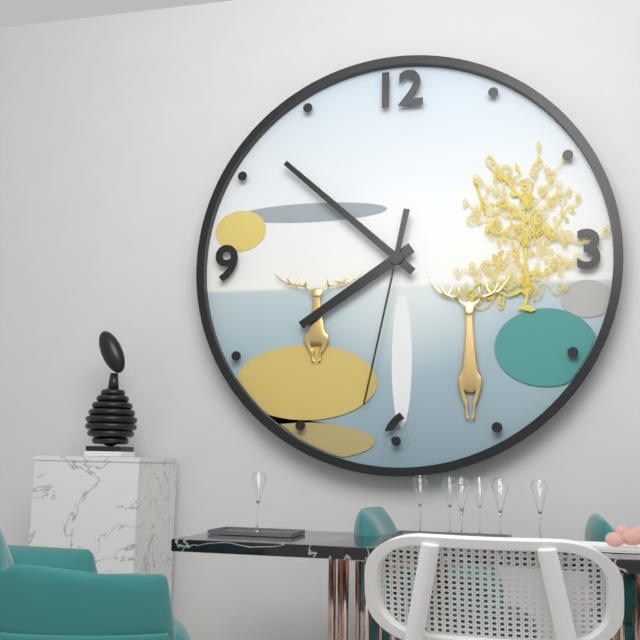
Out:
7 h 52 min 32 s
